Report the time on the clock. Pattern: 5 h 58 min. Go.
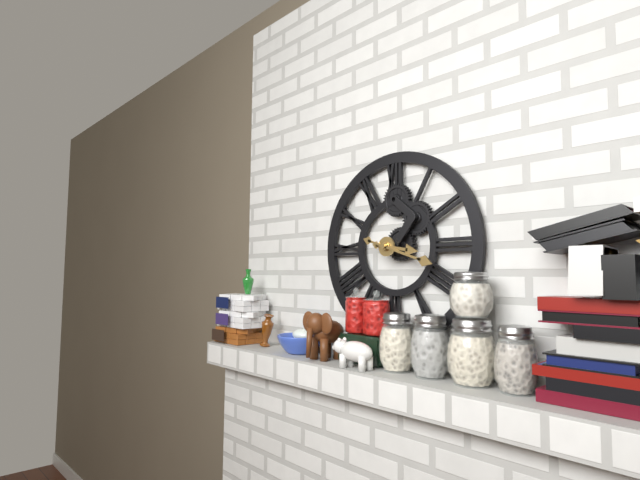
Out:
3 h 18 min
